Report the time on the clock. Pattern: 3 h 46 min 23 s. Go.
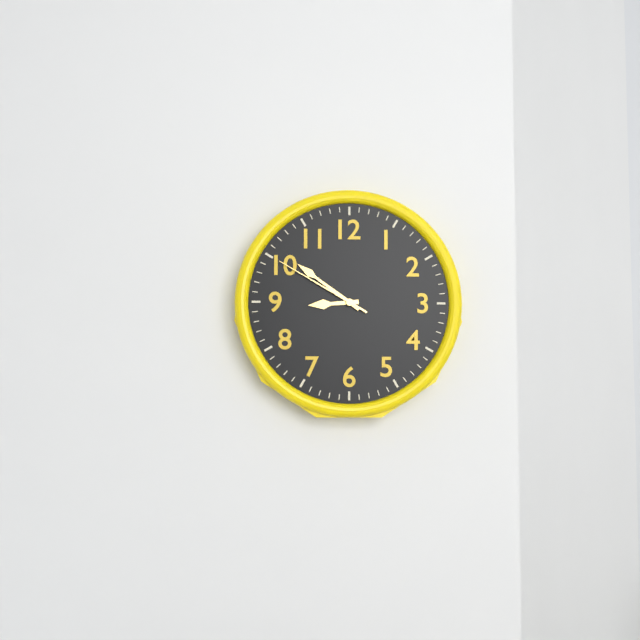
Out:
8 h 51 min 50 s
